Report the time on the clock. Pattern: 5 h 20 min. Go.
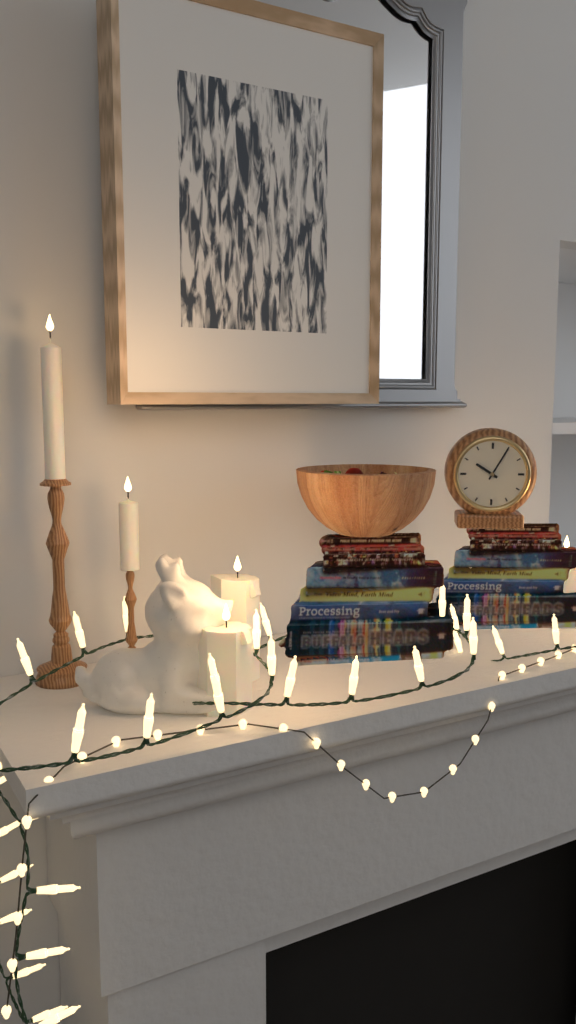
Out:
10 h 05 min
